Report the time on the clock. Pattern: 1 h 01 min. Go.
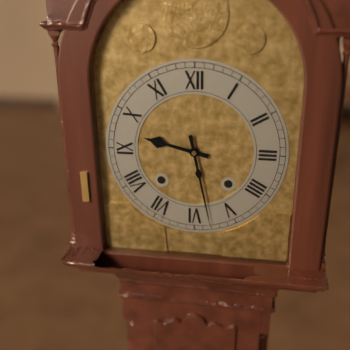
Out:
9 h 28 min
